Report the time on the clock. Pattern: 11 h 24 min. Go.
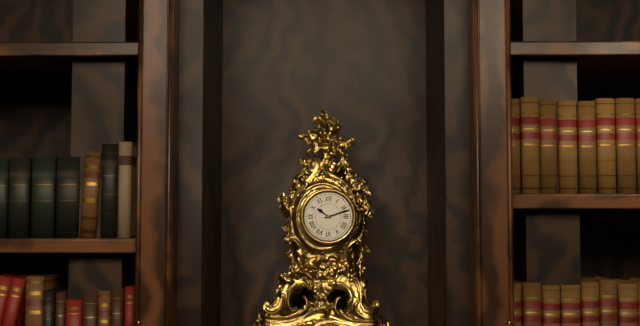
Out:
10 h 12 min
